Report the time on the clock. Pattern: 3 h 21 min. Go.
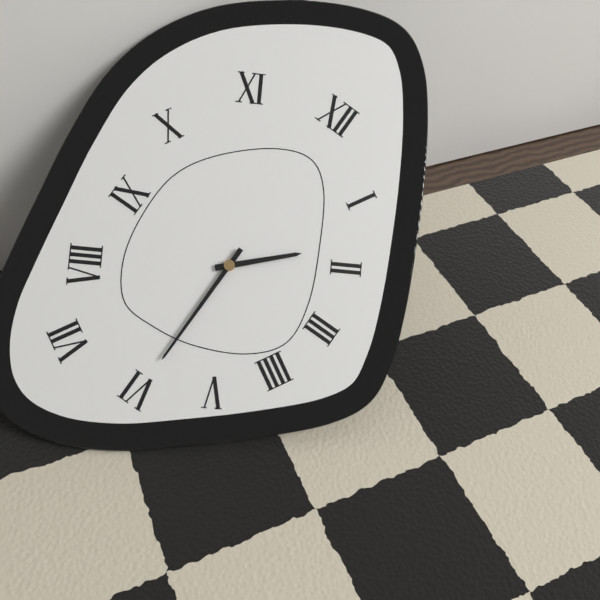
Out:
1 h 30 min
